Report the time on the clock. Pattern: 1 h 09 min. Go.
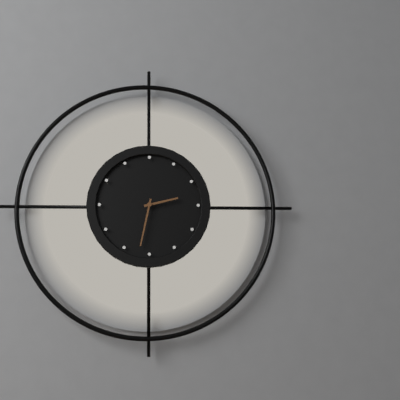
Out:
2 h 32 min
